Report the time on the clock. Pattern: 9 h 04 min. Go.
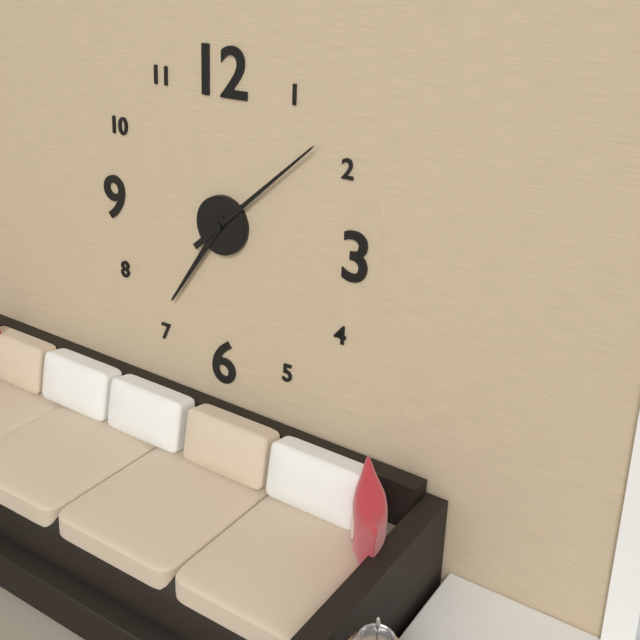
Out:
7 h 08 min
